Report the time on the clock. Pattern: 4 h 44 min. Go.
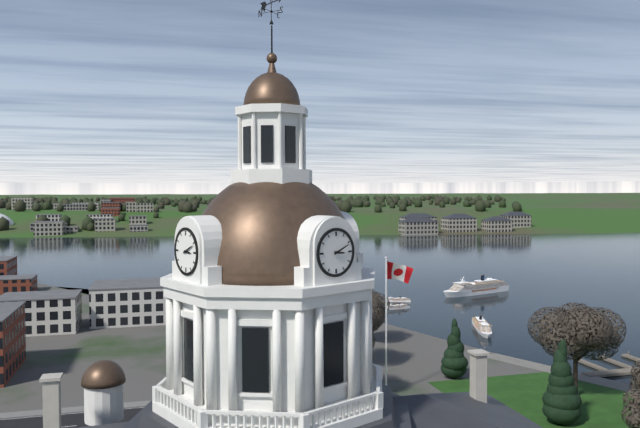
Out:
3 h 11 min
